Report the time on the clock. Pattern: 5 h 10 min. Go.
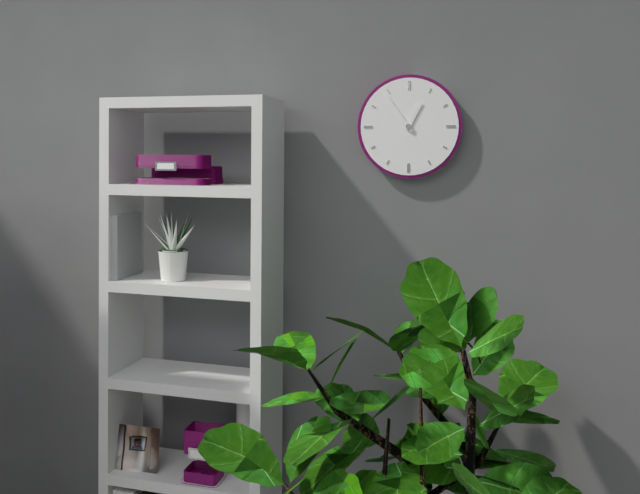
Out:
12 h 54 min
